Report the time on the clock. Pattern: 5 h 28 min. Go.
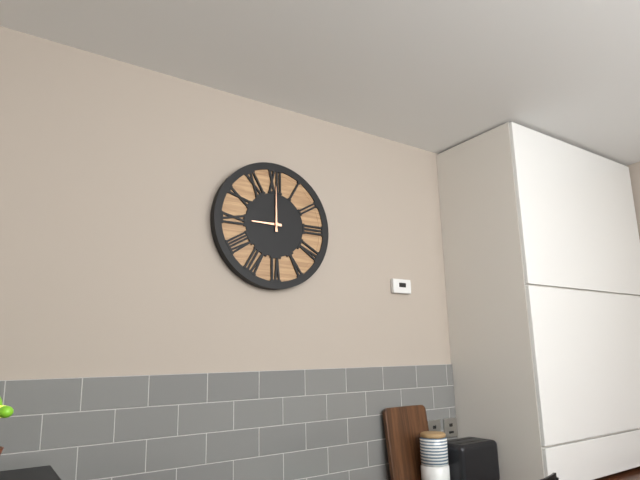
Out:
9 h 00 min
